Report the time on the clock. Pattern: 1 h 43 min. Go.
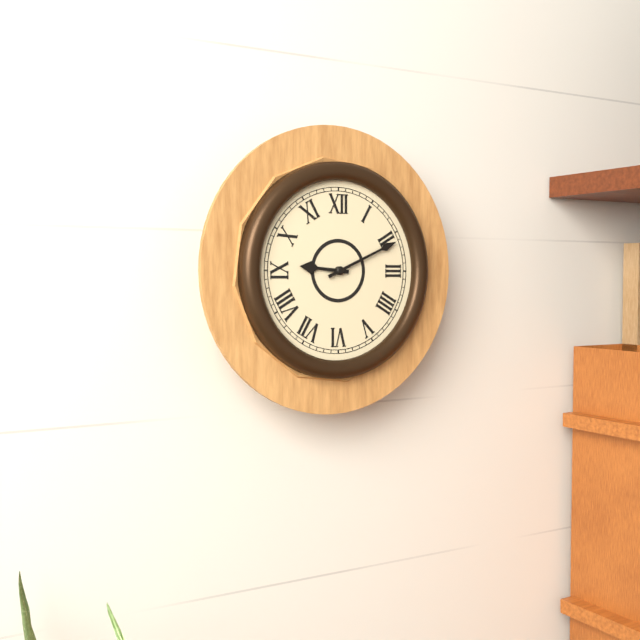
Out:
9 h 11 min
